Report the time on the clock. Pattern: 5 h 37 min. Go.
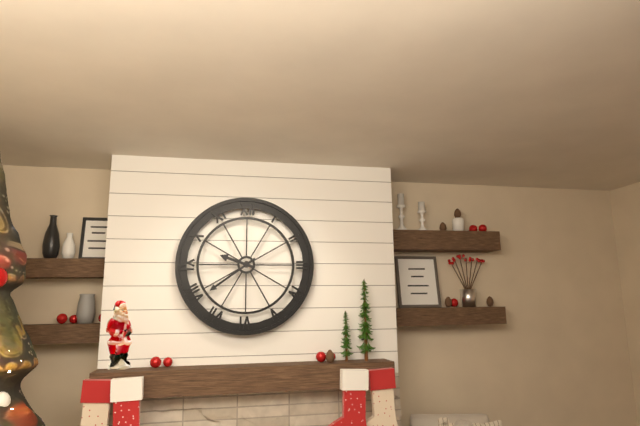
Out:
9 h 39 min
